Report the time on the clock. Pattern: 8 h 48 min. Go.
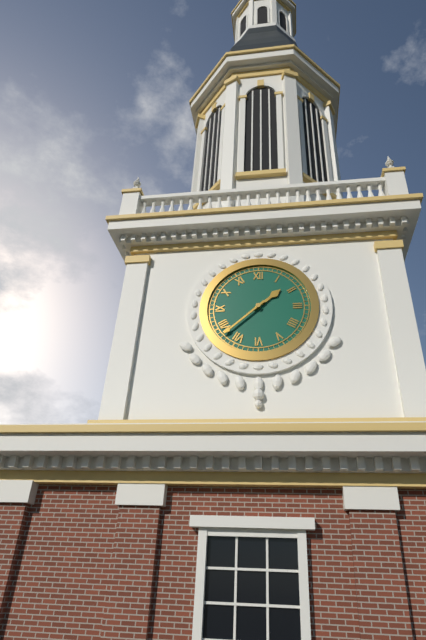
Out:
1 h 38 min
